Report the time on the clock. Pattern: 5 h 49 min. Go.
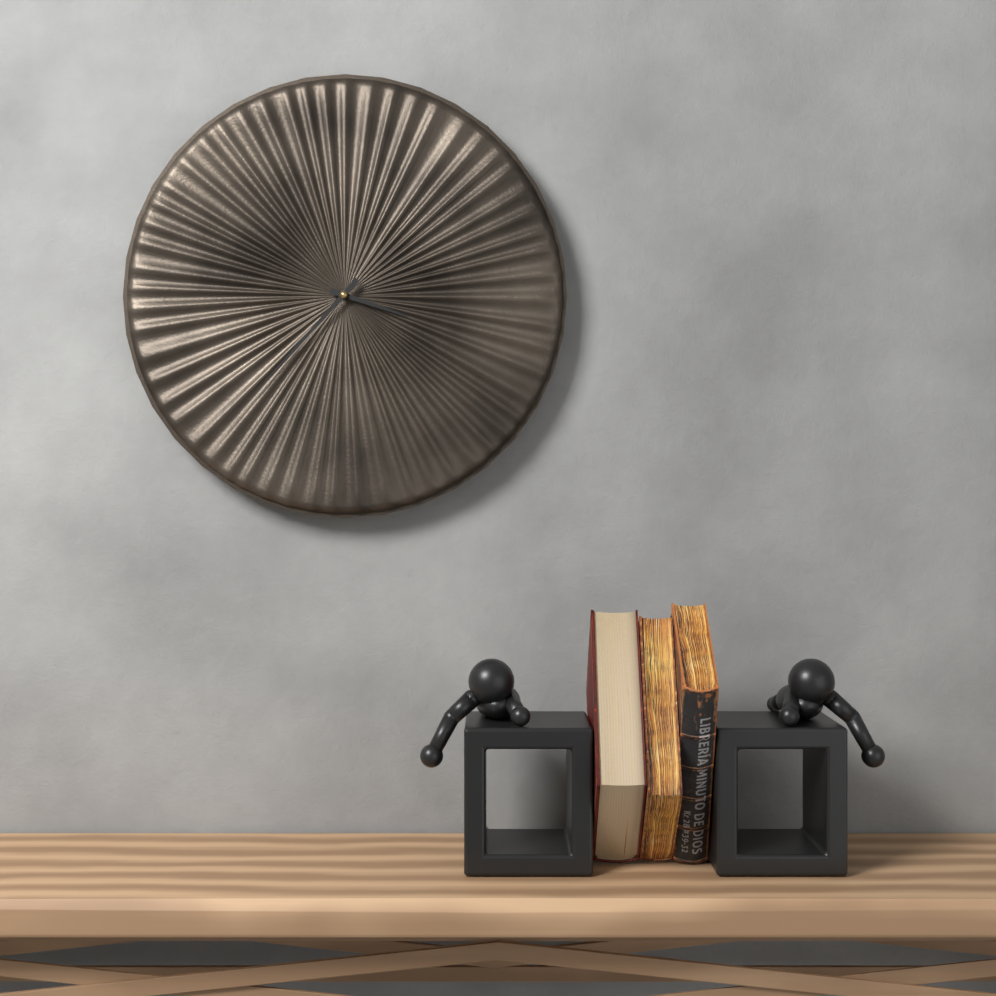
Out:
3 h 37 min
